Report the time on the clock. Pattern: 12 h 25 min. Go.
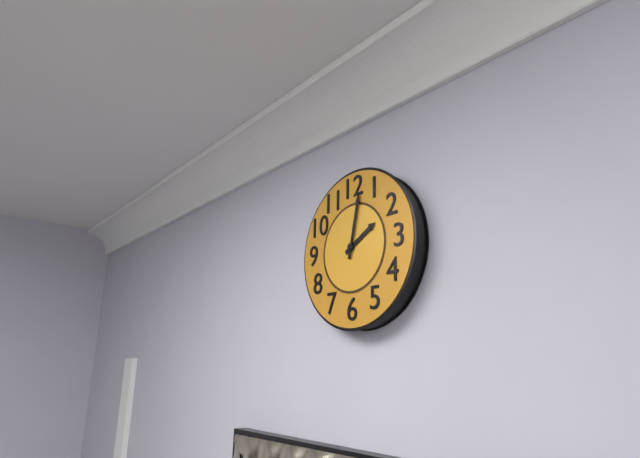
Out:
2 h 02 min
